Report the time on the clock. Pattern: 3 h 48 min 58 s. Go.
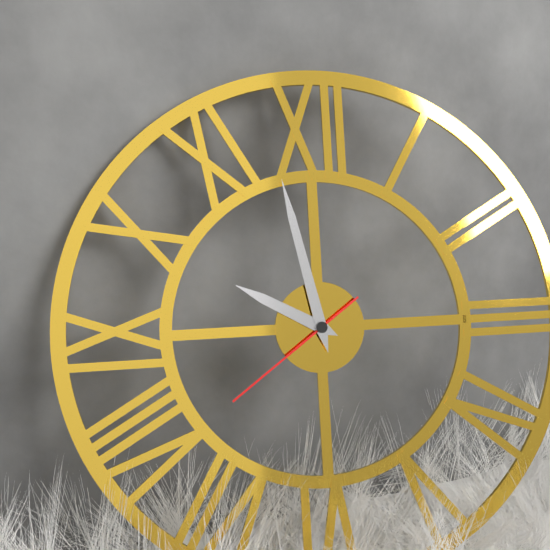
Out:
9 h 58 min 39 s
